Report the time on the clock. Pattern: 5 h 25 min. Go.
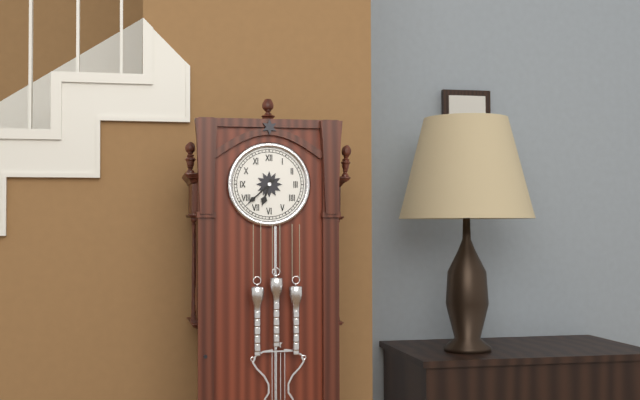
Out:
6 h 38 min
